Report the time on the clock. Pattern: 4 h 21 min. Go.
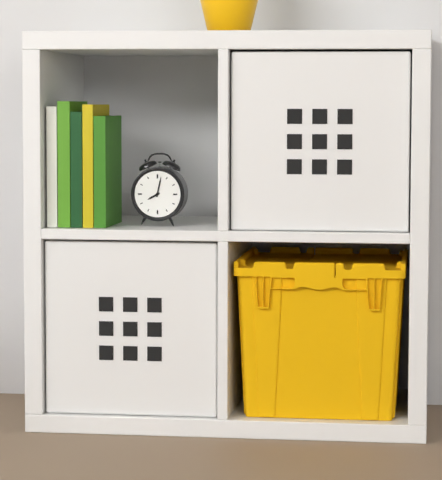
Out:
8 h 02 min
